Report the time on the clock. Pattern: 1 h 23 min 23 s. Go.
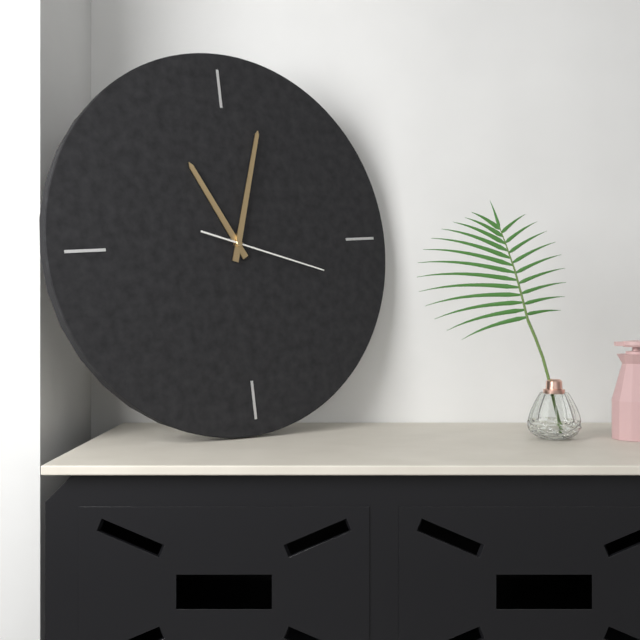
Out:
11 h 03 min 18 s
